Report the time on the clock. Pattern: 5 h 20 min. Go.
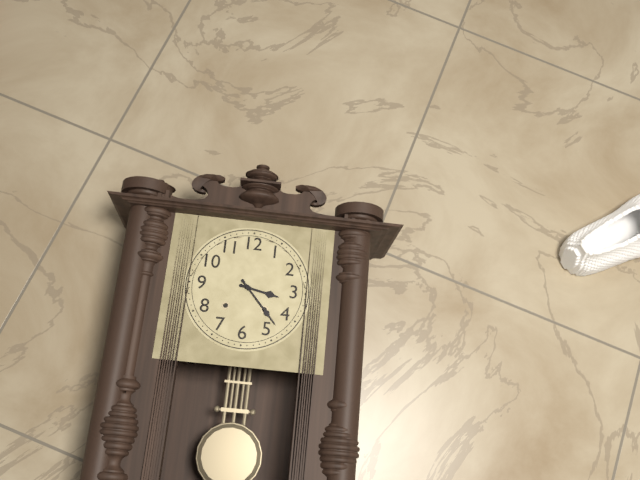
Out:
3 h 23 min
